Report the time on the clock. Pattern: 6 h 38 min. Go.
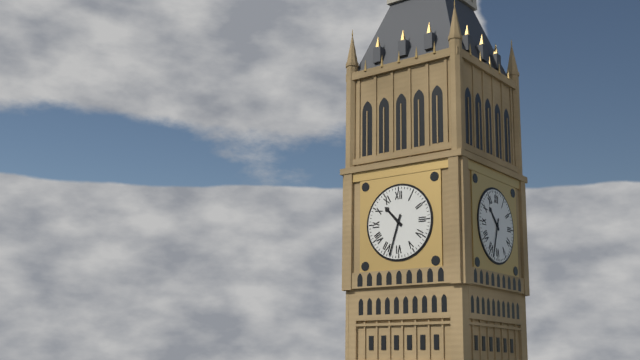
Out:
10 h 33 min
